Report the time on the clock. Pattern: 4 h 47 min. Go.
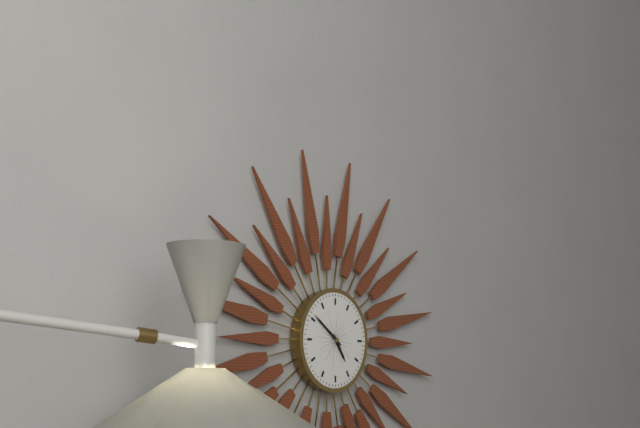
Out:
4 h 51 min
